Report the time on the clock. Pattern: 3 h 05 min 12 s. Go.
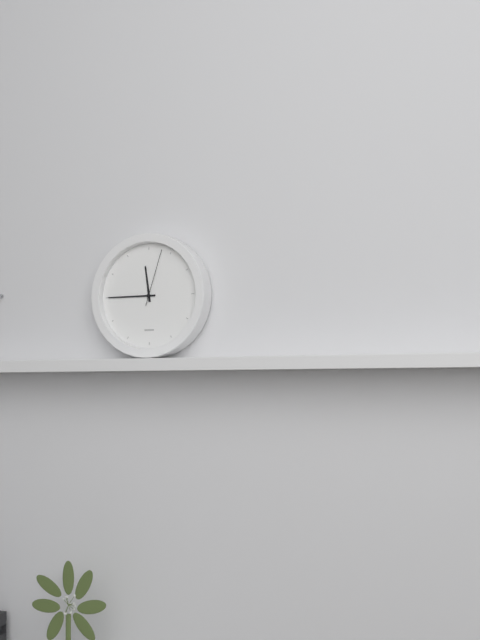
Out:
11 h 45 min 03 s
